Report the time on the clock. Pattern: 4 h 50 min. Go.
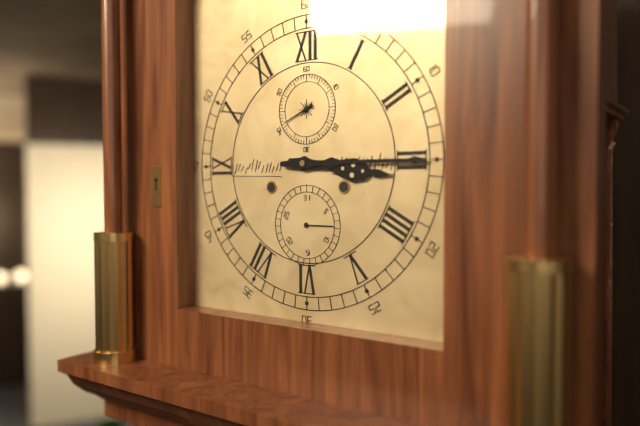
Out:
3 h 15 min
